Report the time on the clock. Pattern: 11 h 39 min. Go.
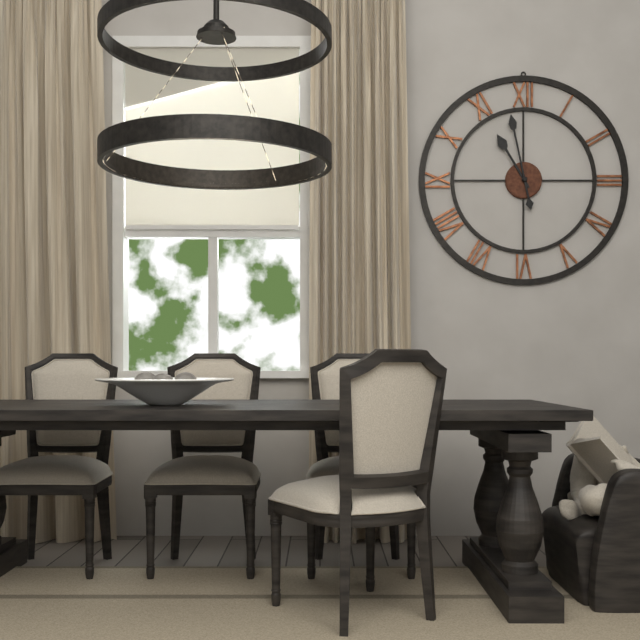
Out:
10 h 58 min
